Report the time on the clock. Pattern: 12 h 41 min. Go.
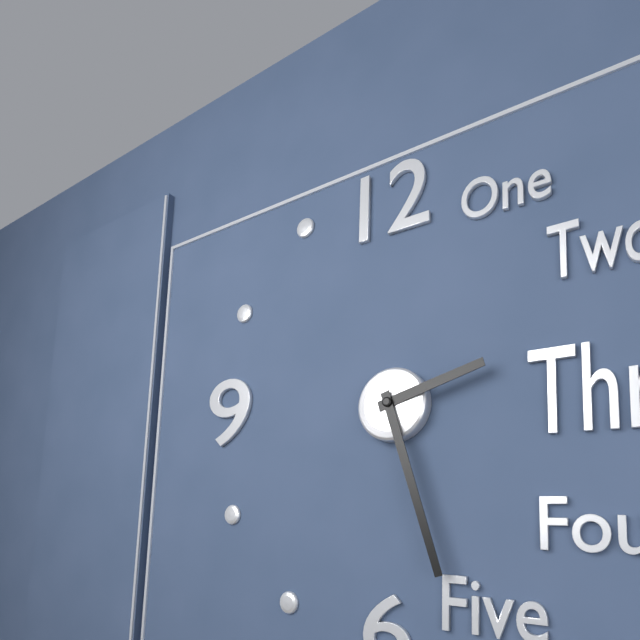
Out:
2 h 27 min
